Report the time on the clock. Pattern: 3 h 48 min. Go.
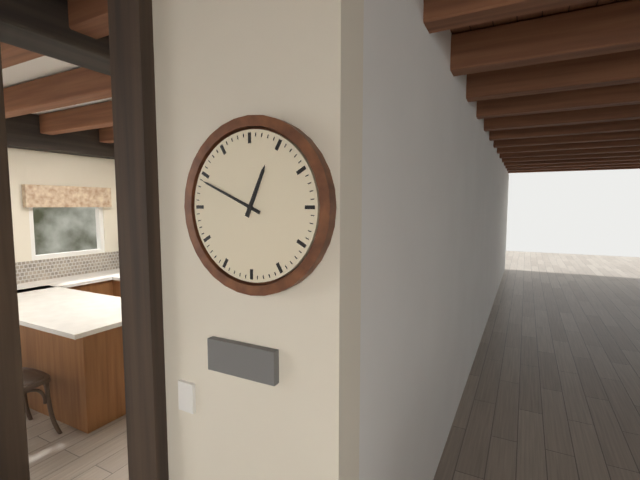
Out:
12 h 49 min
